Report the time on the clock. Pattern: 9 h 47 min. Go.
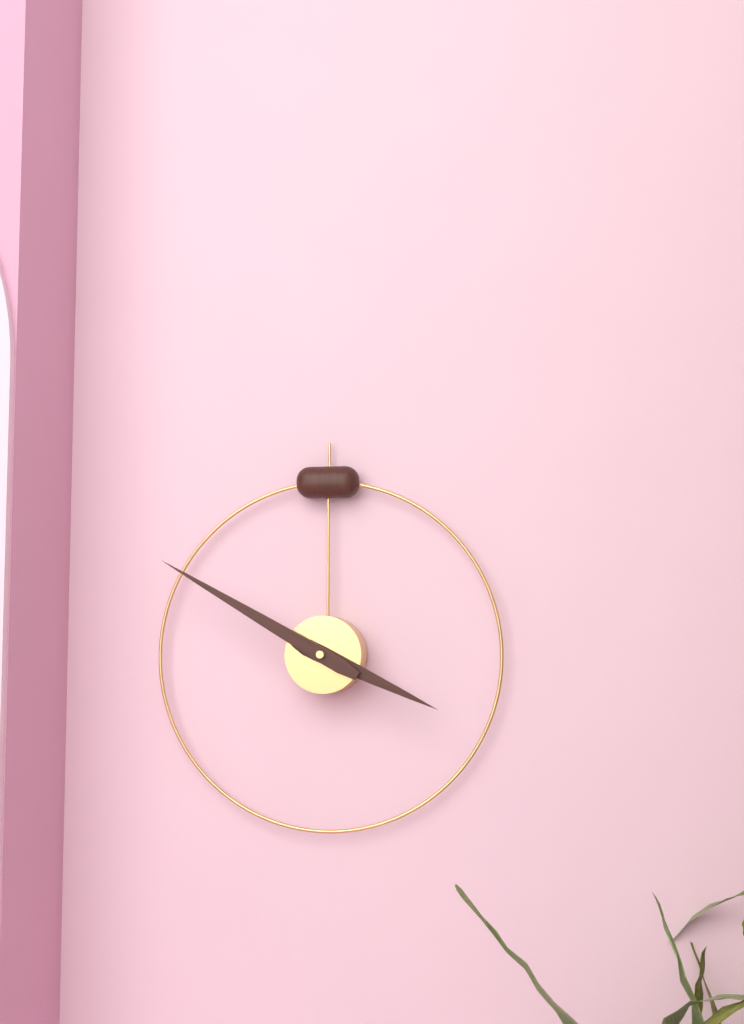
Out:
3 h 50 min
